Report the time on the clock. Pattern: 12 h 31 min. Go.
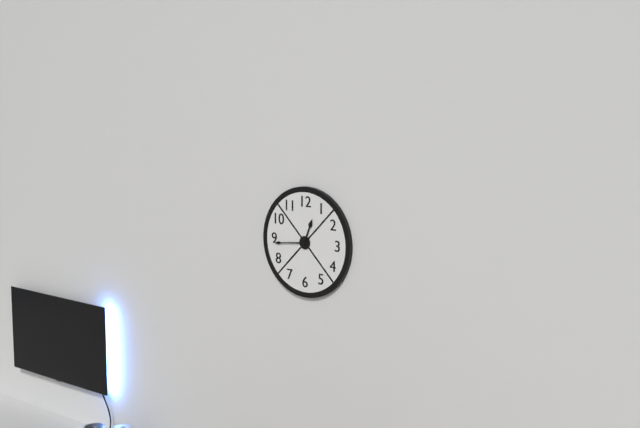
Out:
12 h 44 min
